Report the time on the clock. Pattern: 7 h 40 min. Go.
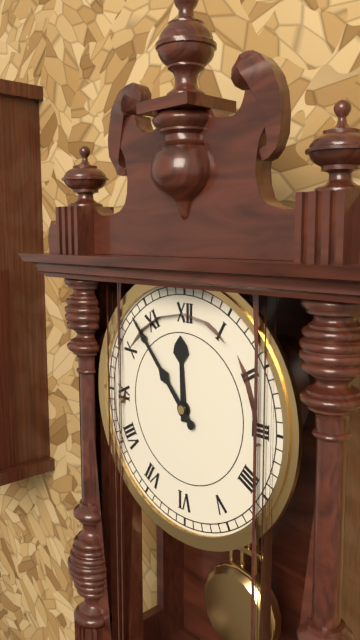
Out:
11 h 53 min
